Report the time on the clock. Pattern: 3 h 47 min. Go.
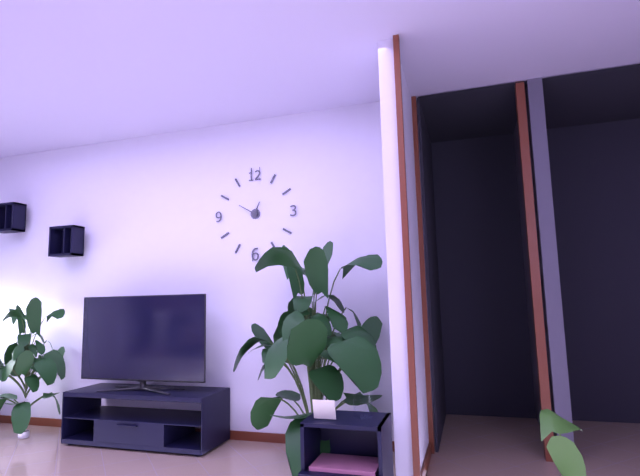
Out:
12 h 50 min
